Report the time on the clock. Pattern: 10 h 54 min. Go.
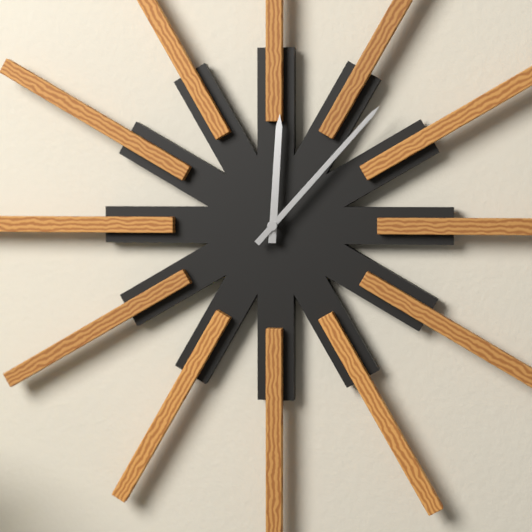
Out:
12 h 07 min
